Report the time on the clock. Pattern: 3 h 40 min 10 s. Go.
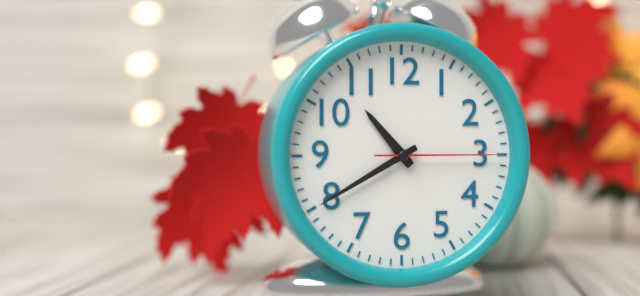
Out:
10 h 40 min 15 s
